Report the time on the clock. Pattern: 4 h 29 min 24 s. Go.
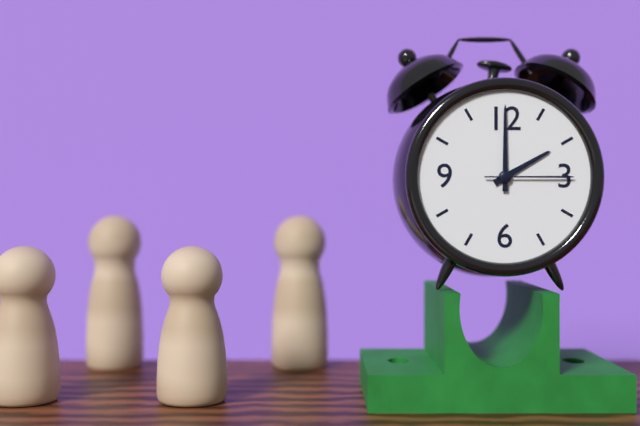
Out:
2 h 00 min 15 s
